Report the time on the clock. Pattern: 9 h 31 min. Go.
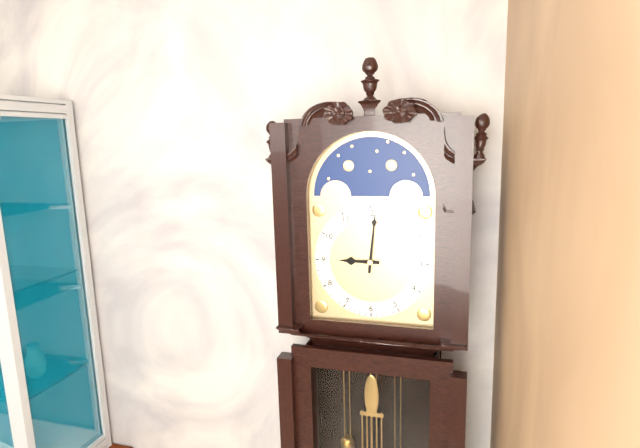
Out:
9 h 01 min
